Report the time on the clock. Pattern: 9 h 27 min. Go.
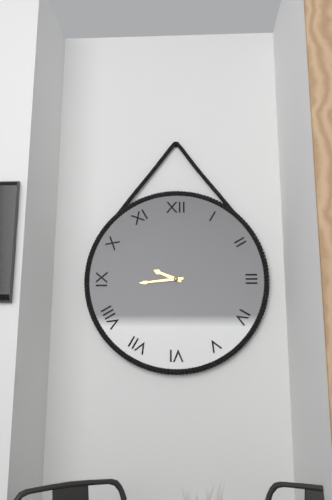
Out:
9 h 44 min
